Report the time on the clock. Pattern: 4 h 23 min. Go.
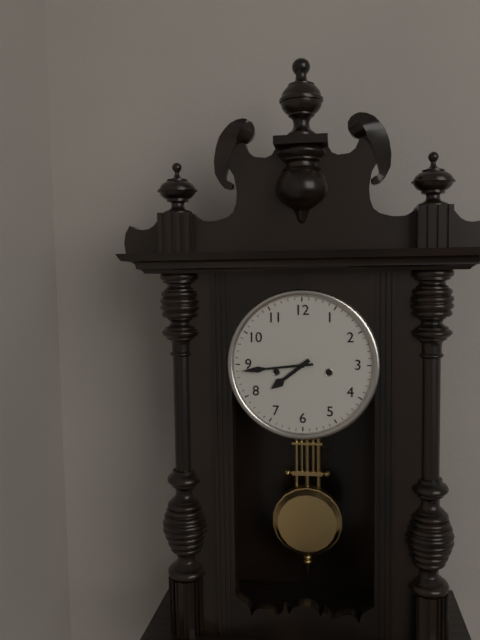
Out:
7 h 44 min
